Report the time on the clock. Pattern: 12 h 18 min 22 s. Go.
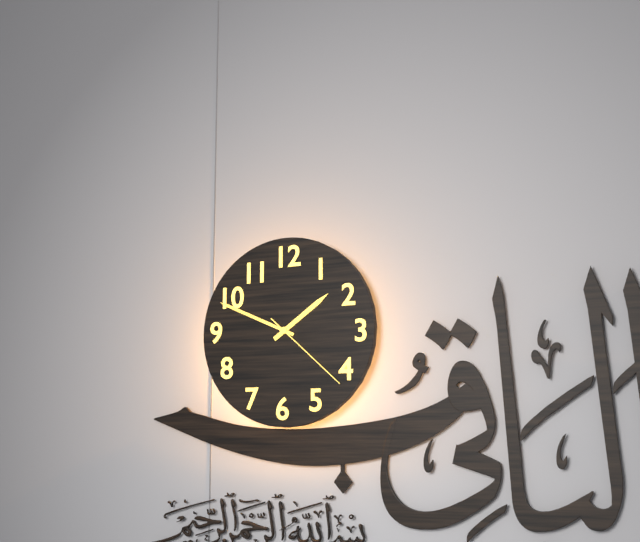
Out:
1 h 49 min 22 s
